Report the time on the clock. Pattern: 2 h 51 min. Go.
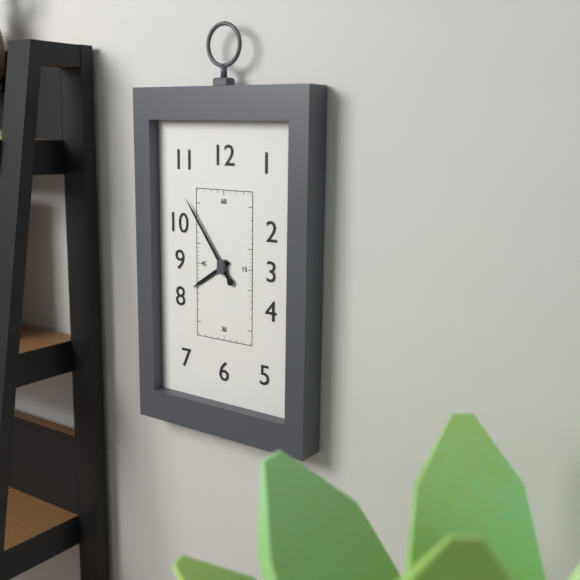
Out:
7 h 54 min
